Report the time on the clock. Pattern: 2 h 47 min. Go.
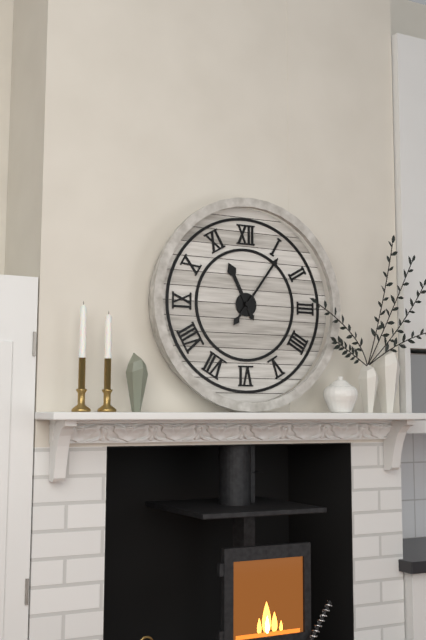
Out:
11 h 06 min
